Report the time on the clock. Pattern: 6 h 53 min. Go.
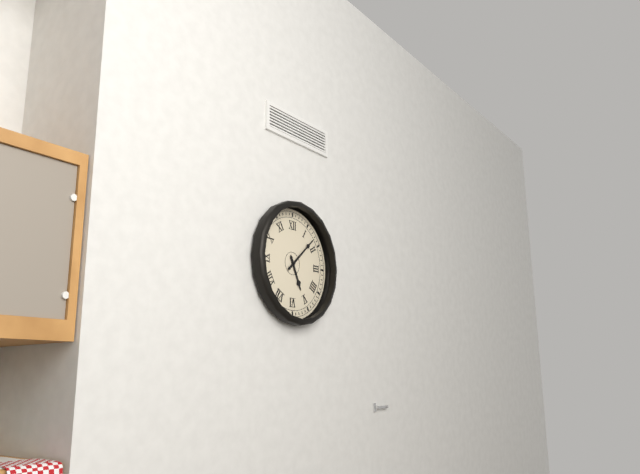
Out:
5 h 08 min
